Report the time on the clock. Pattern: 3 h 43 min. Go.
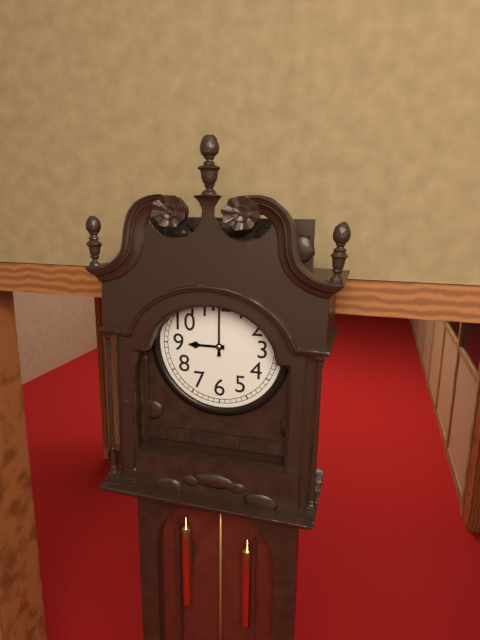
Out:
9 h 00 min
